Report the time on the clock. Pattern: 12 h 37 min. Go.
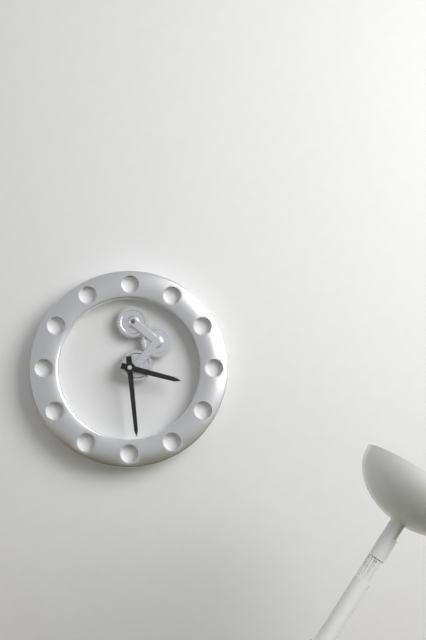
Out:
3 h 29 min
